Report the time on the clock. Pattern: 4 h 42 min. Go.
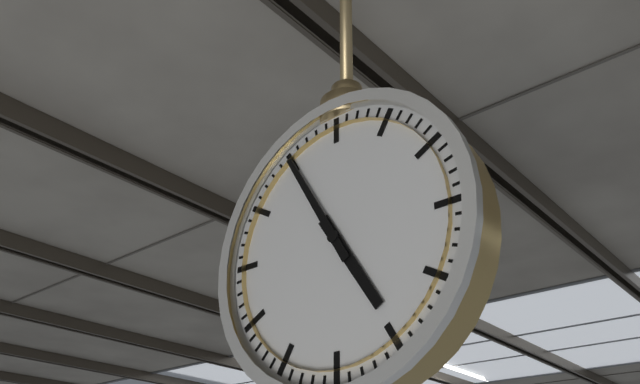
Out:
4 h 55 min
